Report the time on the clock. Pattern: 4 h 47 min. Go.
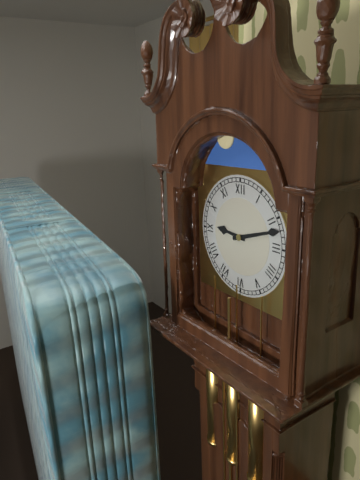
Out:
9 h 12 min
